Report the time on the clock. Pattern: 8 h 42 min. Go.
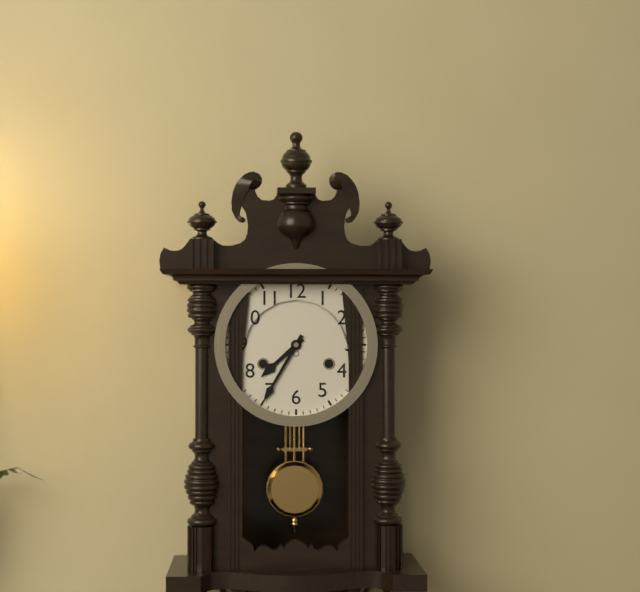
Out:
7 h 35 min
